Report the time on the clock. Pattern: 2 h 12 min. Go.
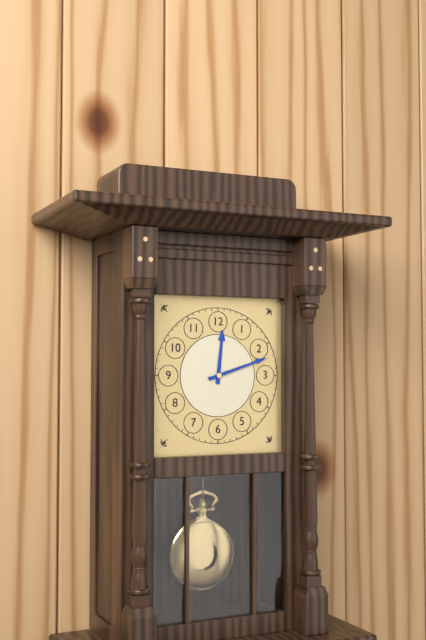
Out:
12 h 12 min
